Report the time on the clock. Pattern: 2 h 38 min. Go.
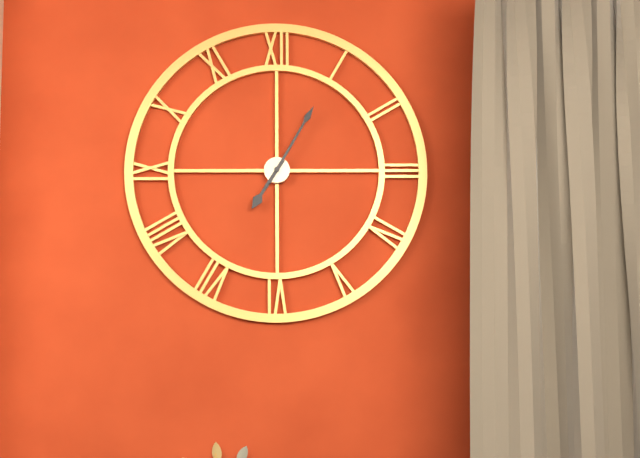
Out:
7 h 05 min
